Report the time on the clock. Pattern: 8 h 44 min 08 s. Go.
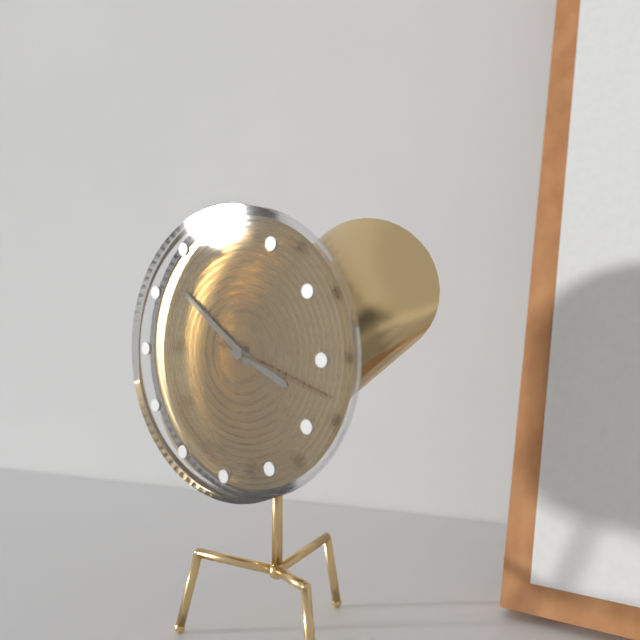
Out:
3 h 51 min 18 s
